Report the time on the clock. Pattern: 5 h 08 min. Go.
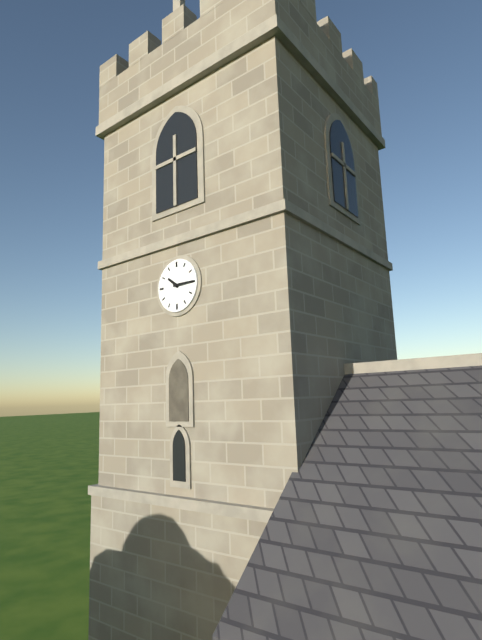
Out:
10 h 15 min
